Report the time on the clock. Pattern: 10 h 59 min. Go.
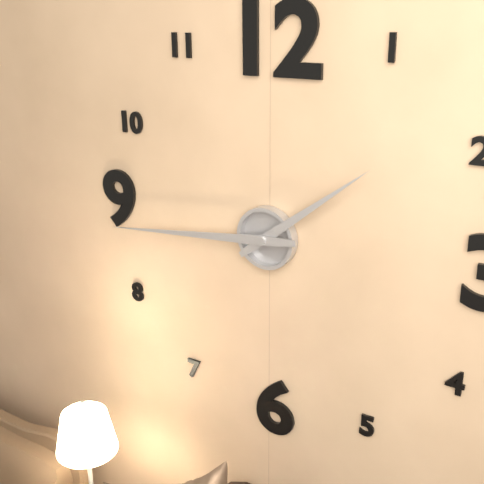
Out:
1 h 44 min
